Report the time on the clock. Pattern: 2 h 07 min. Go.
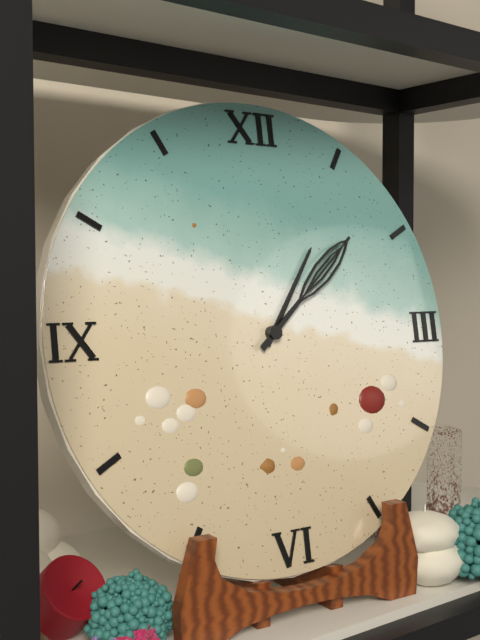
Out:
1 h 08 min
